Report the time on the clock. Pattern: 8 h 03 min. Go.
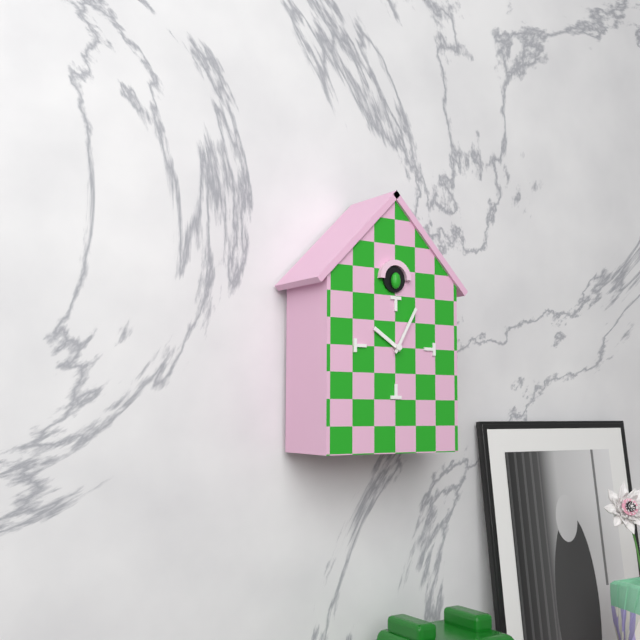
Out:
10 h 05 min
